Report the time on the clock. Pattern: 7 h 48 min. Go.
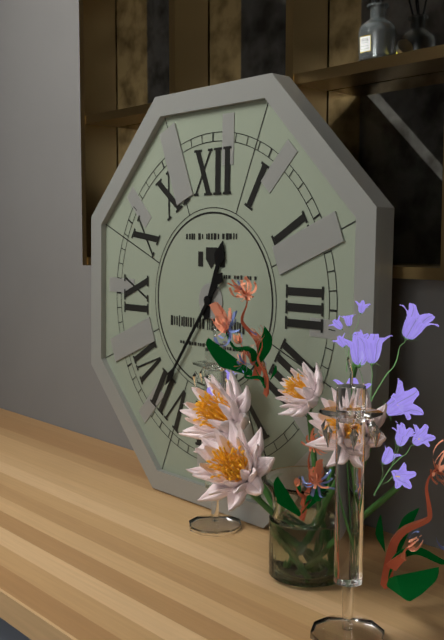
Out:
12 h 36 min
